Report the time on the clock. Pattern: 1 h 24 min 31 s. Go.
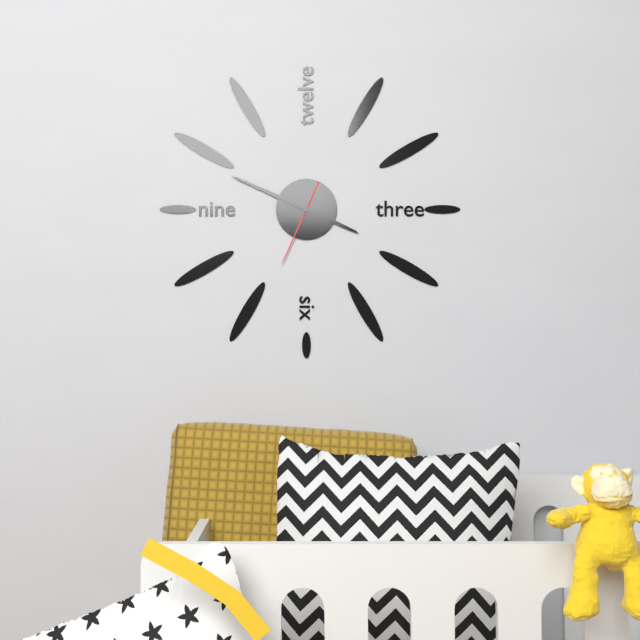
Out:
3 h 49 min 34 s
